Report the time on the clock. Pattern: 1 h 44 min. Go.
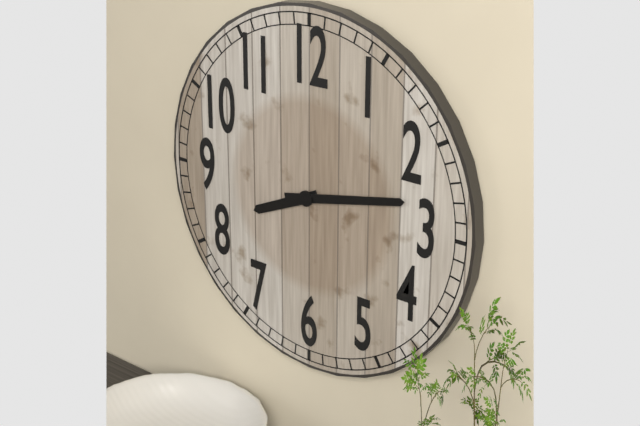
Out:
8 h 13 min
